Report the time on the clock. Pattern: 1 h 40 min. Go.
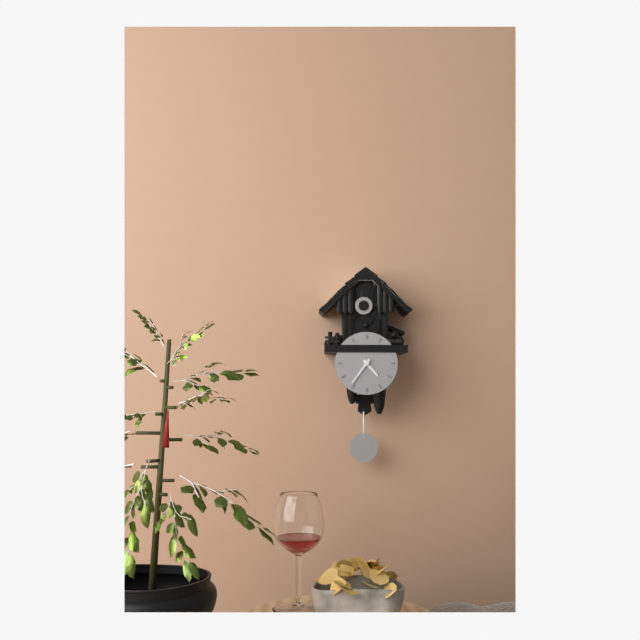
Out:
4 h 36 min
